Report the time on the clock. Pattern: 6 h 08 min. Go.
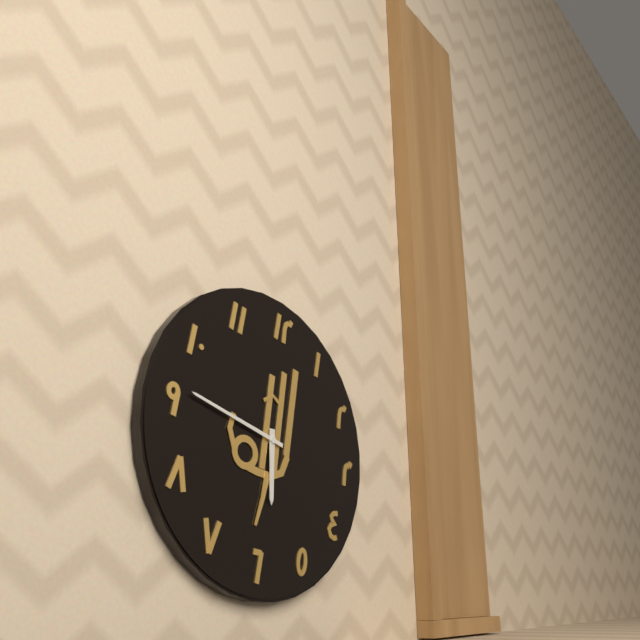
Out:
5 h 46 min
